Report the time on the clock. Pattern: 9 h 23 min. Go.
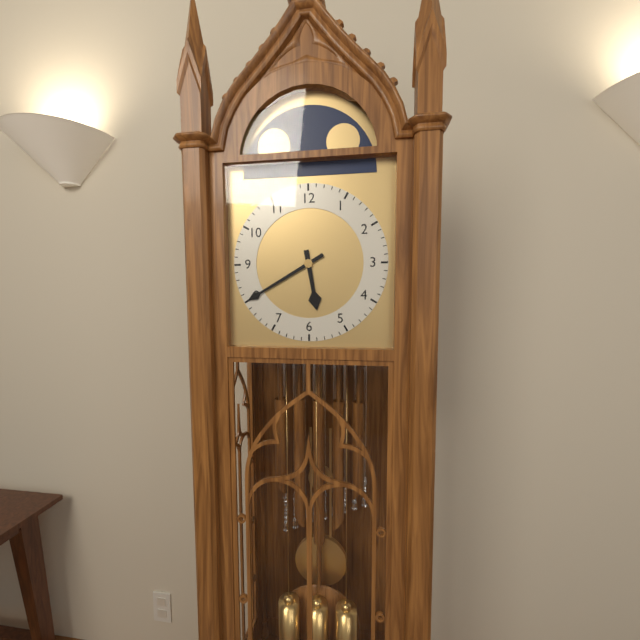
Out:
5 h 40 min
